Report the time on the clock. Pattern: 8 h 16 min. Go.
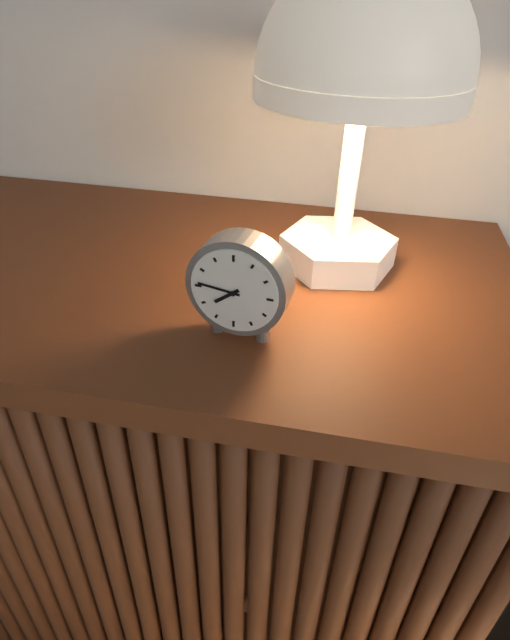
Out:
7 h 46 min
